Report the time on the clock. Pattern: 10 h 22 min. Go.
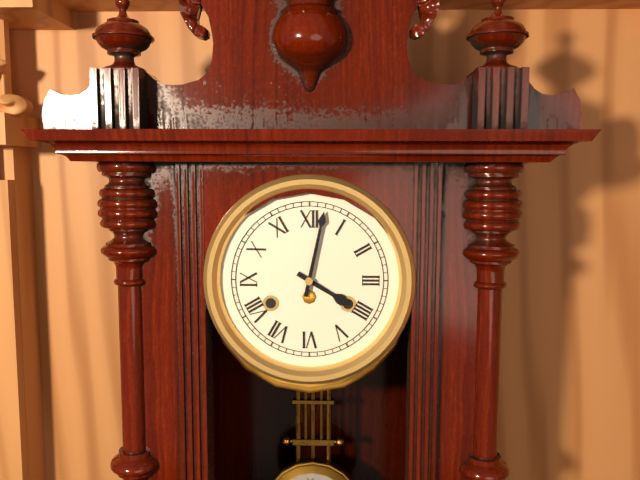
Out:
4 h 02 min
